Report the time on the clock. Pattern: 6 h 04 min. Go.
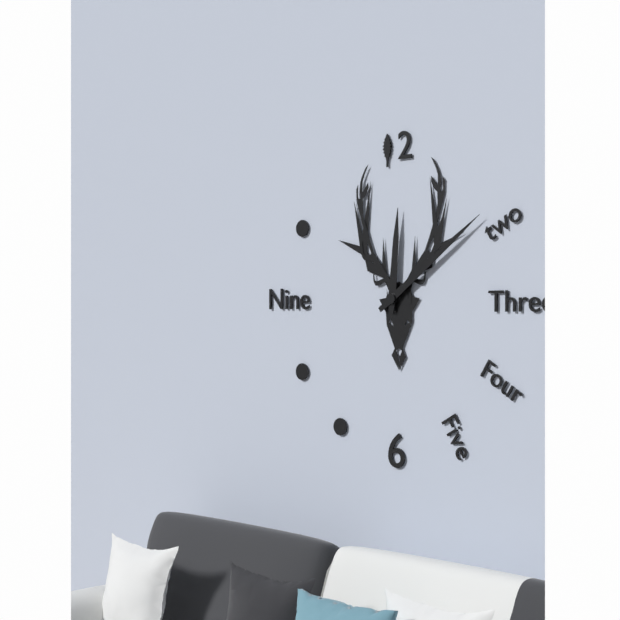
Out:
12 h 09 min
